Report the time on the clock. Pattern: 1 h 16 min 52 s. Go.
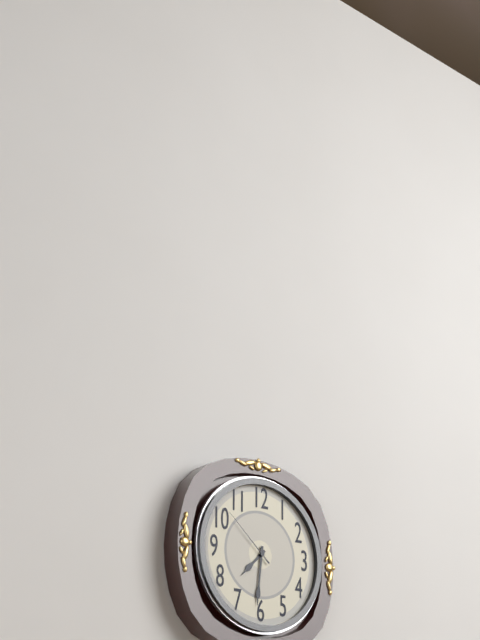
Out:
7 h 31 min 52 s
